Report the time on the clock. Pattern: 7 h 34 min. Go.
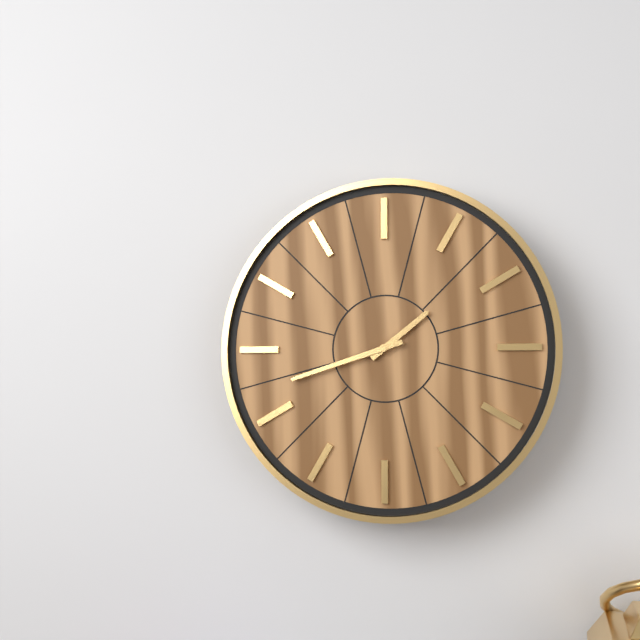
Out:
1 h 42 min
